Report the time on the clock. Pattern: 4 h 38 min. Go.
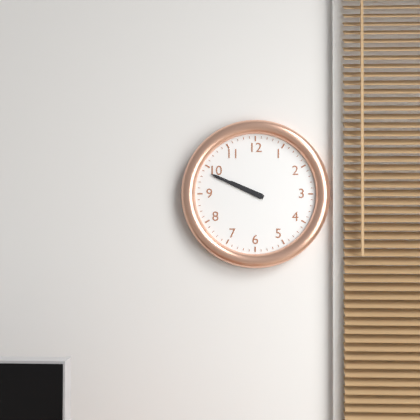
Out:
9 h 49 min
